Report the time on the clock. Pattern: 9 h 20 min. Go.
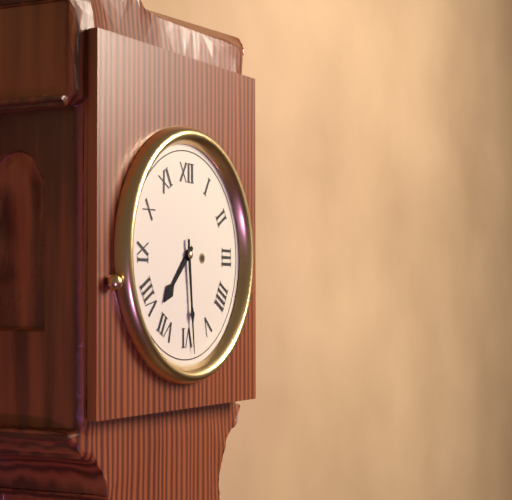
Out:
7 h 29 min
